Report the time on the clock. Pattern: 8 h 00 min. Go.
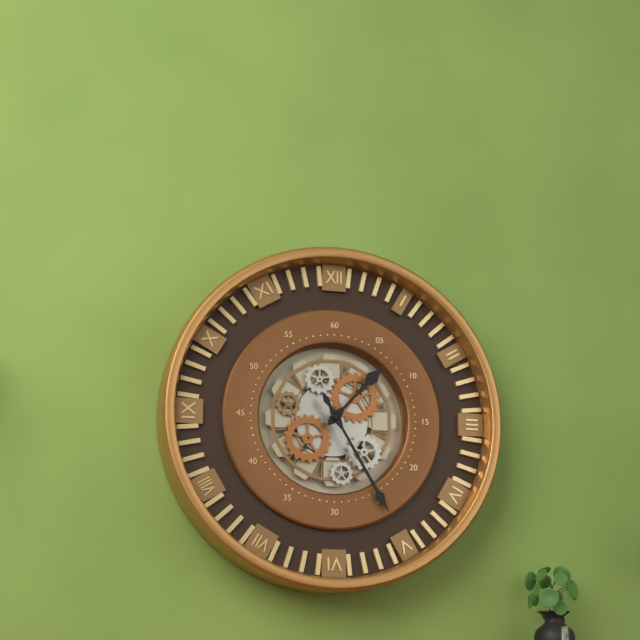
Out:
1 h 25 min
